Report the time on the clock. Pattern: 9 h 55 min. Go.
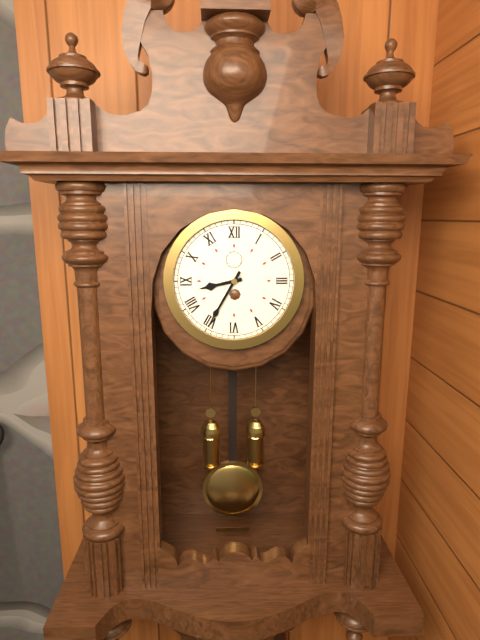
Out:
8 h 35 min
